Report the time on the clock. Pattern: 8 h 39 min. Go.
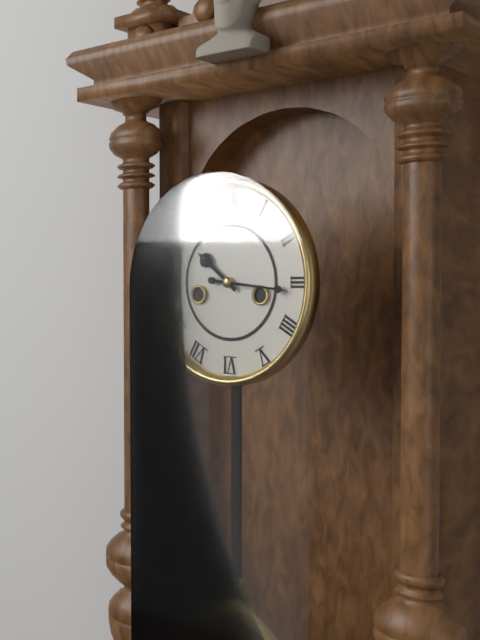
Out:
10 h 16 min
